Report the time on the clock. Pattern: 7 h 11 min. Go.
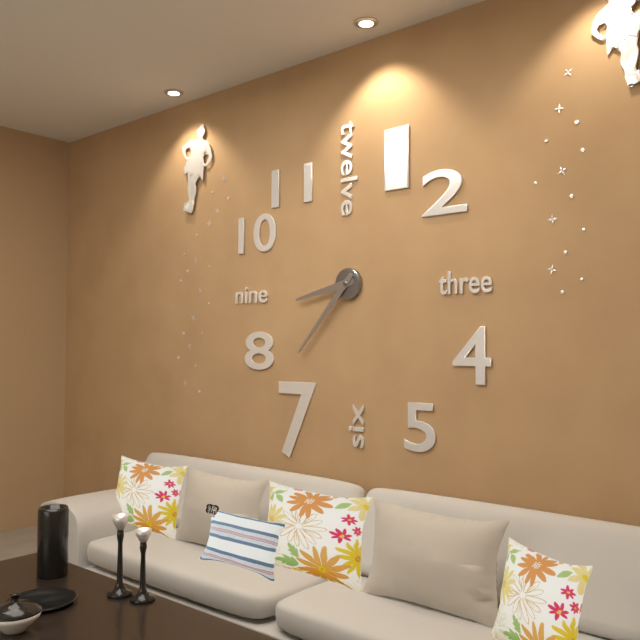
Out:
8 h 37 min
